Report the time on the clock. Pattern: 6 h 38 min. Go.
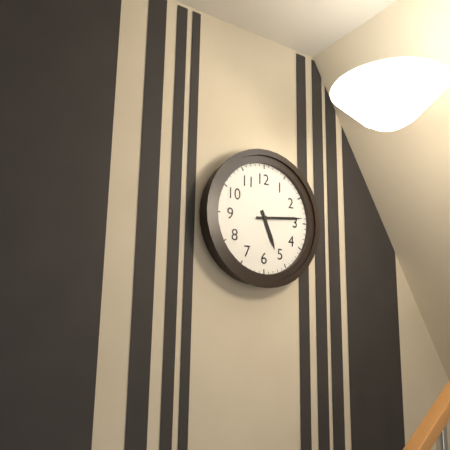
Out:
5 h 14 min
